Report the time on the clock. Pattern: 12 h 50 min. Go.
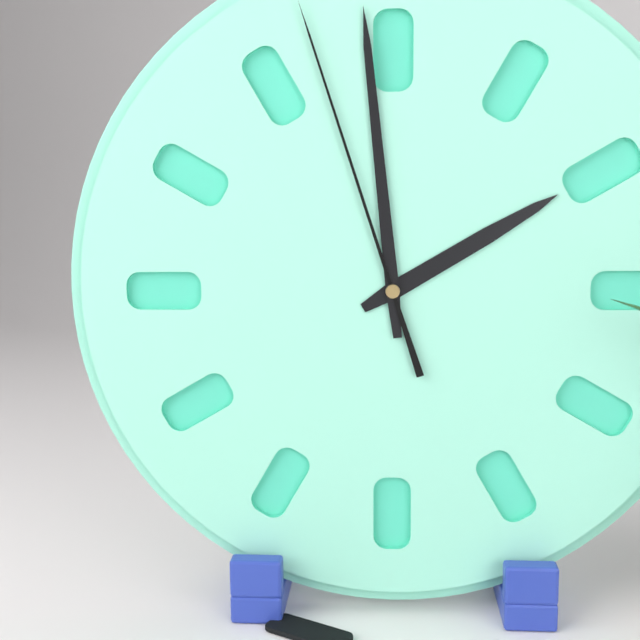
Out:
1 h 59 min
